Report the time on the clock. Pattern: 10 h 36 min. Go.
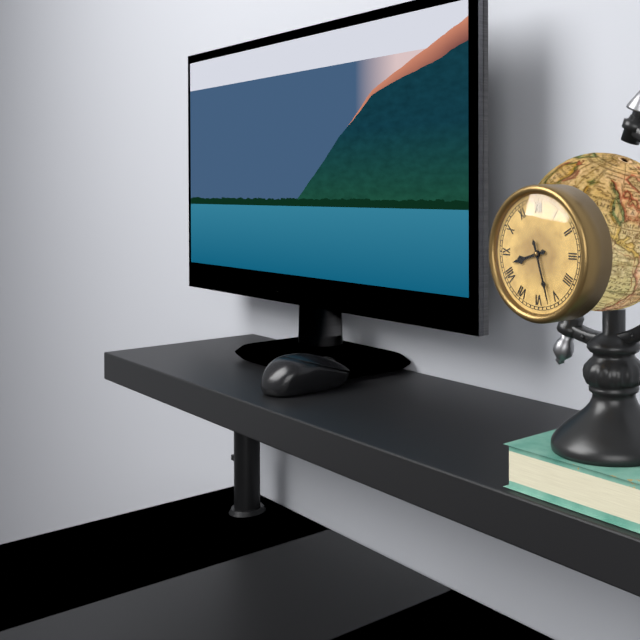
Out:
8 h 27 min
